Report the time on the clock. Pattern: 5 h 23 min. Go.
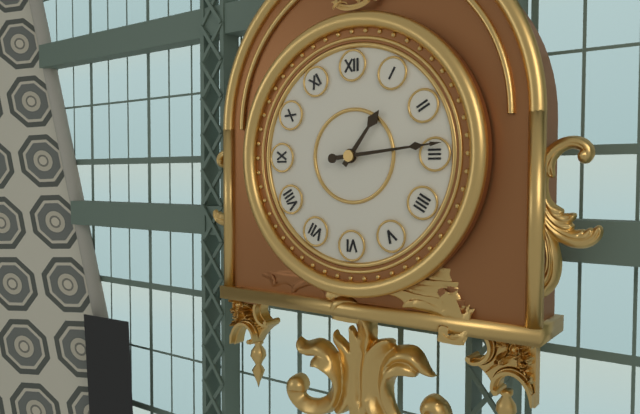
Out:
1 h 14 min
